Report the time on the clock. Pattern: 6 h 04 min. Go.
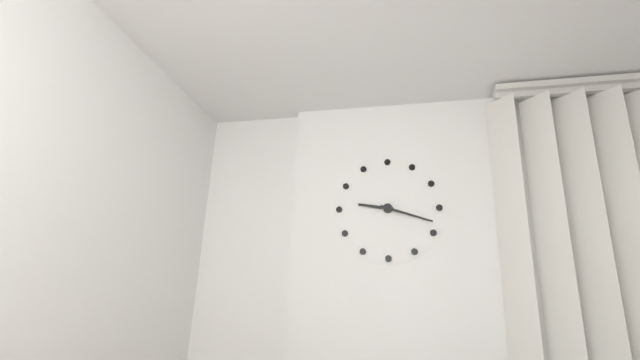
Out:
9 h 18 min
